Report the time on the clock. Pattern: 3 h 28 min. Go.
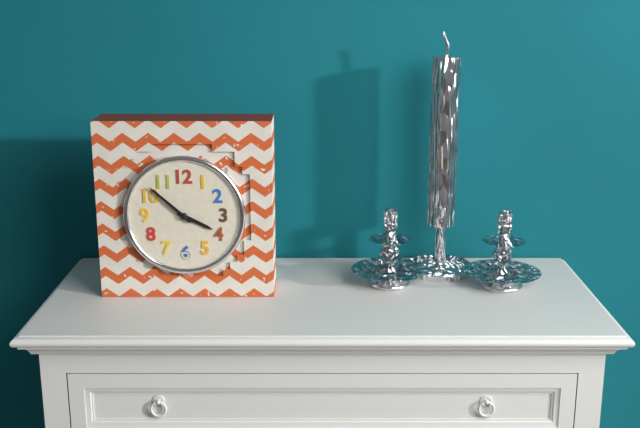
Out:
3 h 52 min
